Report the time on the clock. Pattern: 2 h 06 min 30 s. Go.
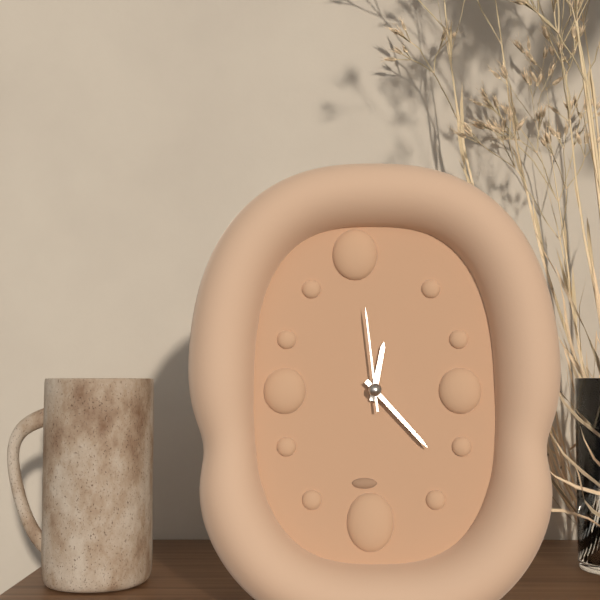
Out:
12 h 23 min 59 s
